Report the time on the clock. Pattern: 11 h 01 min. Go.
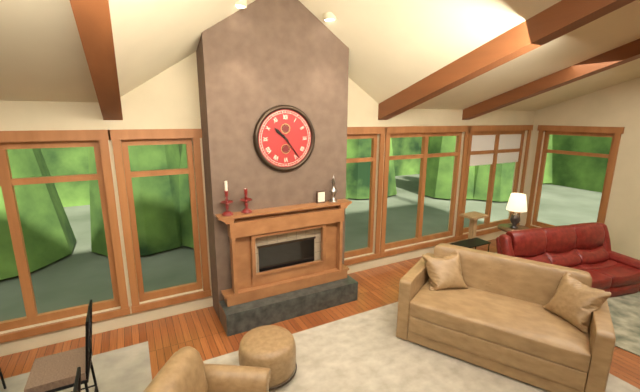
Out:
10 h 24 min
